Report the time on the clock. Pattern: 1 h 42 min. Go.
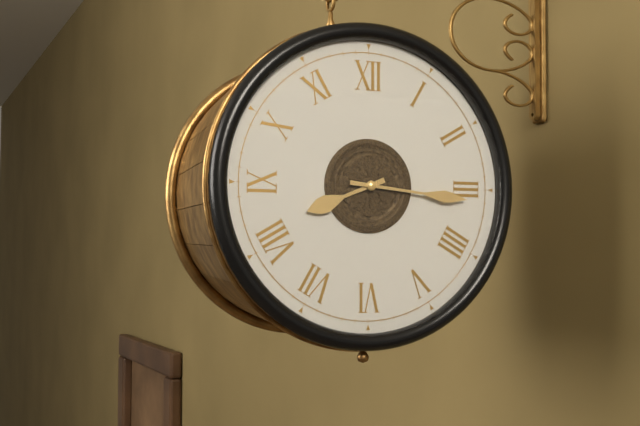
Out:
8 h 16 min
